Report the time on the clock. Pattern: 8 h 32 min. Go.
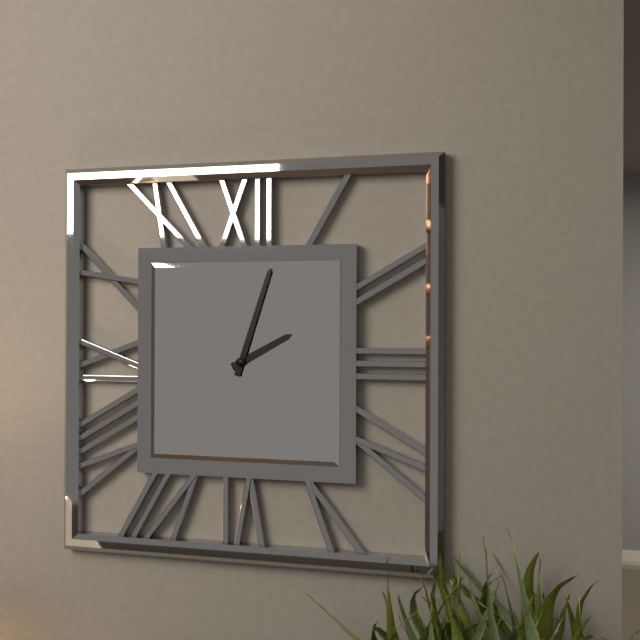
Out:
2 h 03 min
